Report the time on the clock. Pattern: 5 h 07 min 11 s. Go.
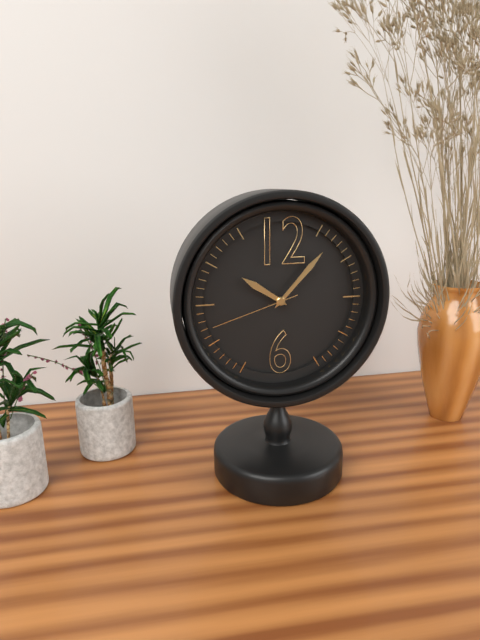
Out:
10 h 07 min 42 s
